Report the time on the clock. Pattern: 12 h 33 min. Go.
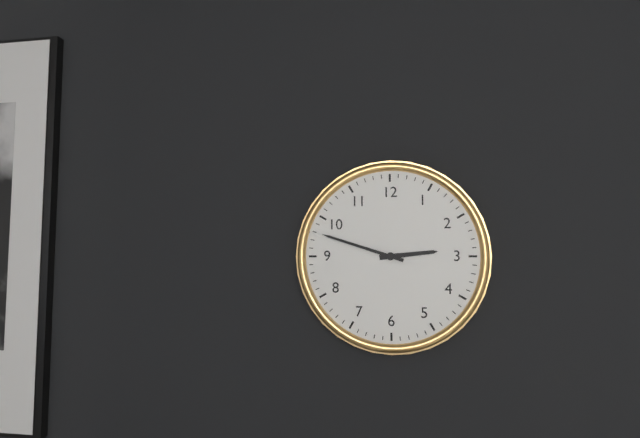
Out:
2 h 48 min
